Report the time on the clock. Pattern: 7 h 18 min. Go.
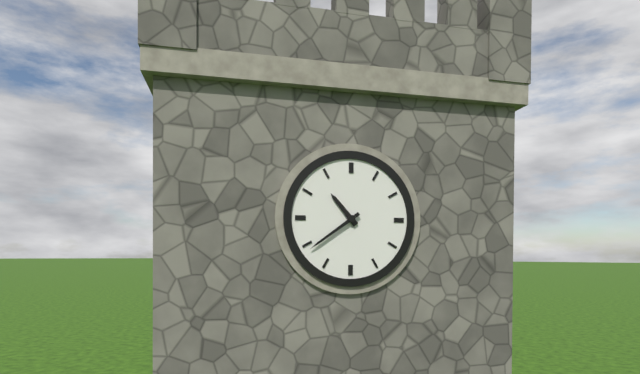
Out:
10 h 39 min
